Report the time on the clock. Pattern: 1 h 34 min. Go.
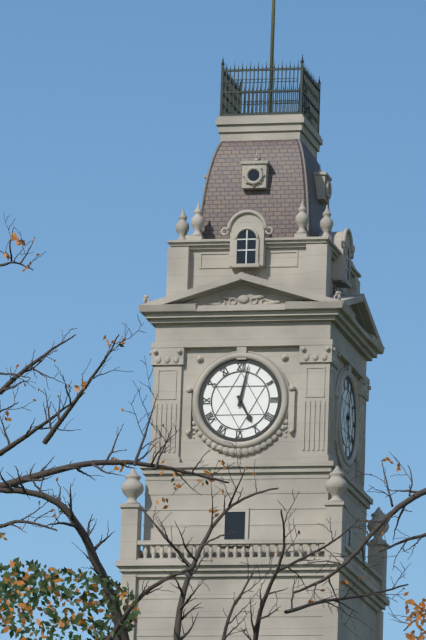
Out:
5 h 02 min
